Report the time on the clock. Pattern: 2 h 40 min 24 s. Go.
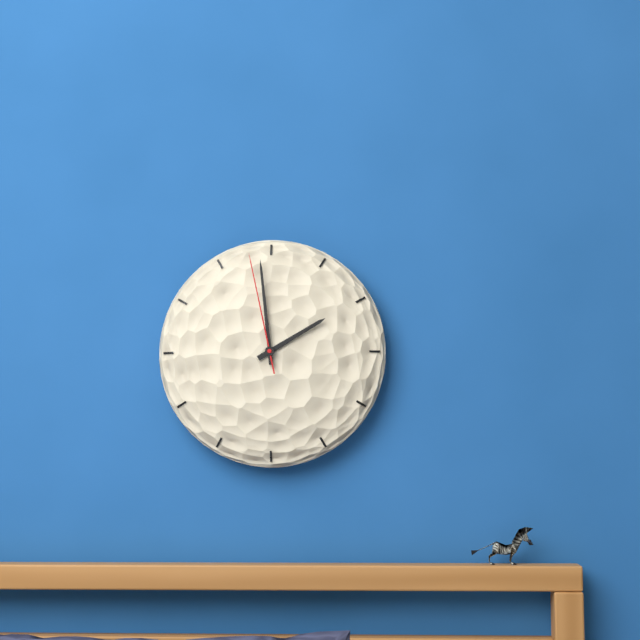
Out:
1 h 59 min 58 s
